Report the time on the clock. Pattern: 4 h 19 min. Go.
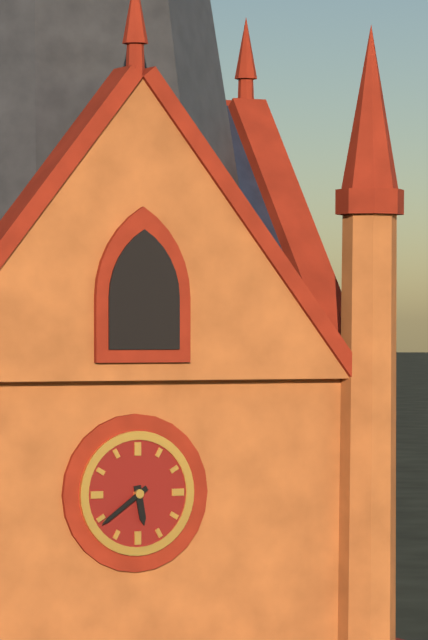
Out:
5 h 39 min
